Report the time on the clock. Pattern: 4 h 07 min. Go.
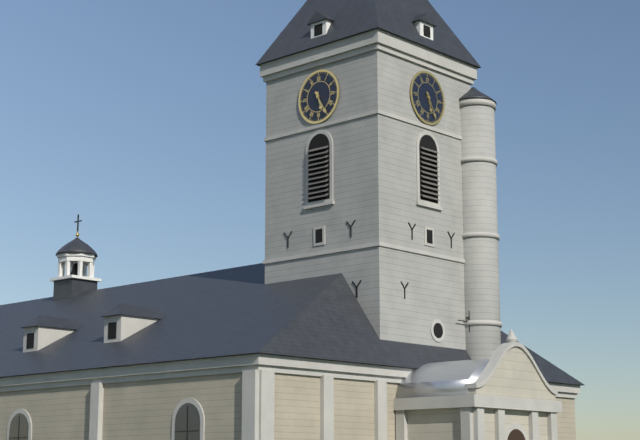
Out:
5 h 25 min
